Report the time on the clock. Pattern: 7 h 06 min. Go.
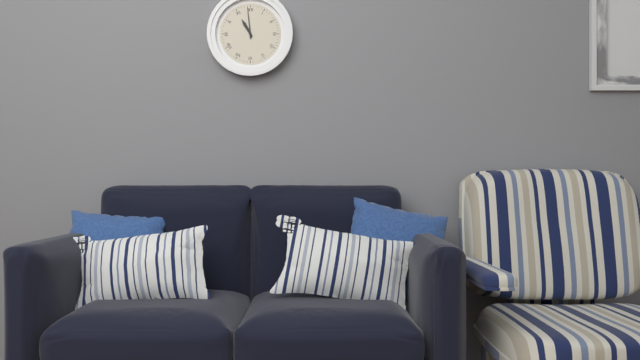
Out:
10 h 59 min
